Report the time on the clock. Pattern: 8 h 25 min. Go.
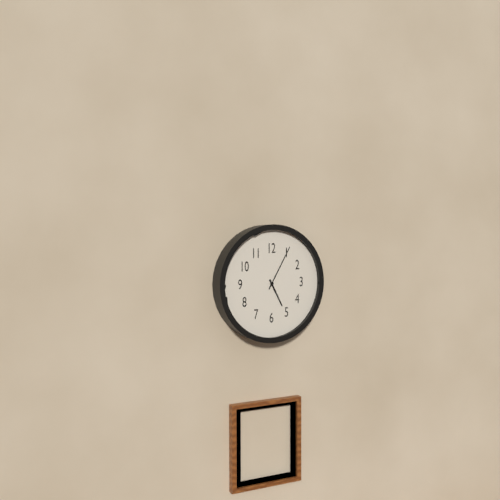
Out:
5 h 05 min
